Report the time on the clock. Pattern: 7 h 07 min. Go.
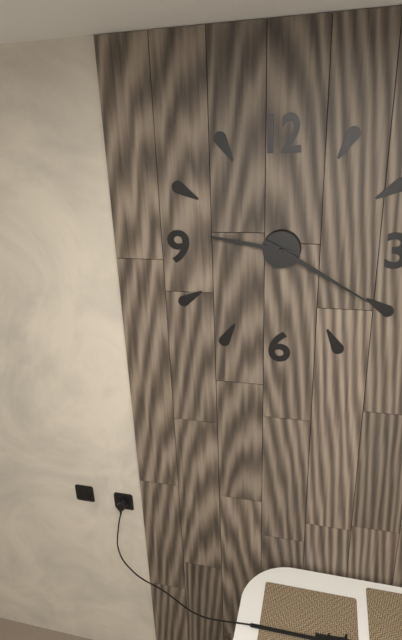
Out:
9 h 20 min
